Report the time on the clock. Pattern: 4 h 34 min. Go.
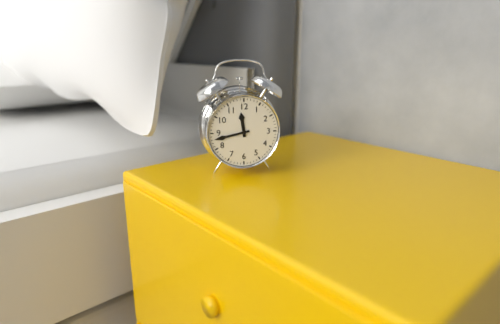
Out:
11 h 43 min
